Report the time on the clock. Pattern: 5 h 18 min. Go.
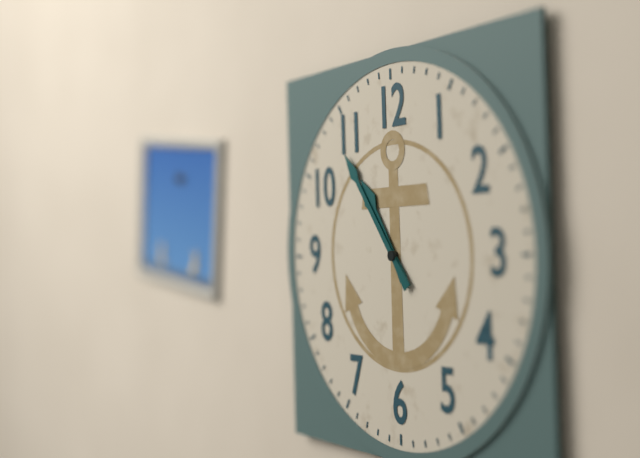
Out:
10 h 54 min
